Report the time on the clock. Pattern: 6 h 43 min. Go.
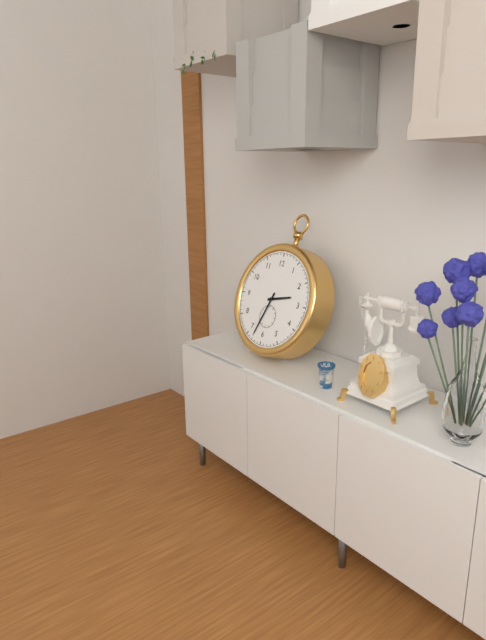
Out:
2 h 33 min
